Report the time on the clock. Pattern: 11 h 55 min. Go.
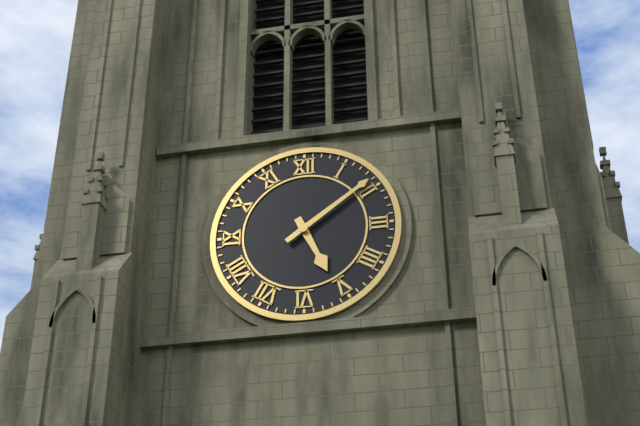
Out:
5 h 09 min
